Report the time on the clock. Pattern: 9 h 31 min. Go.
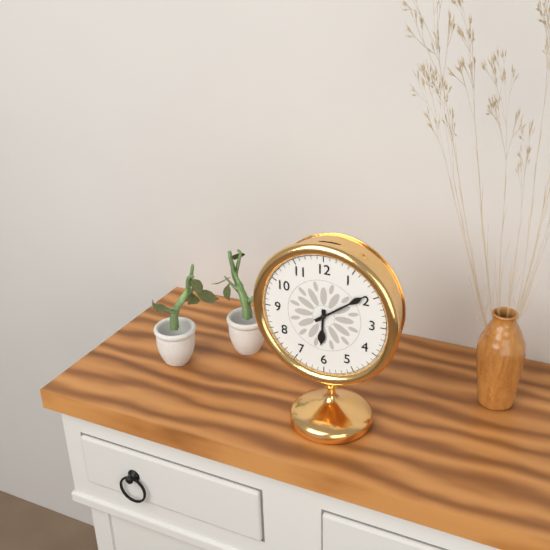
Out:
6 h 09 min
